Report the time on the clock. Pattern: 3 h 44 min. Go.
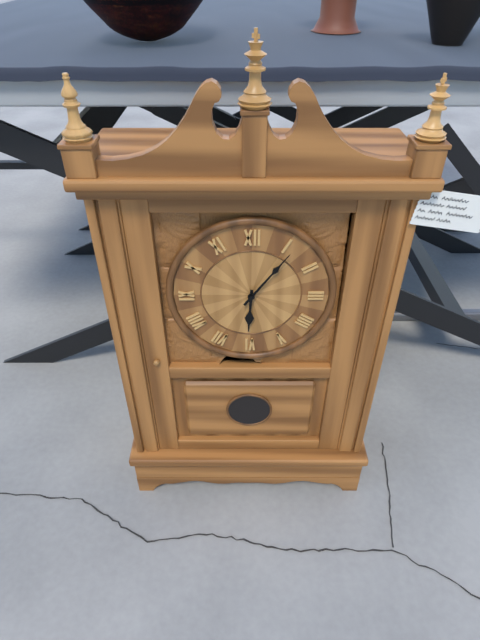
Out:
6 h 06 min
